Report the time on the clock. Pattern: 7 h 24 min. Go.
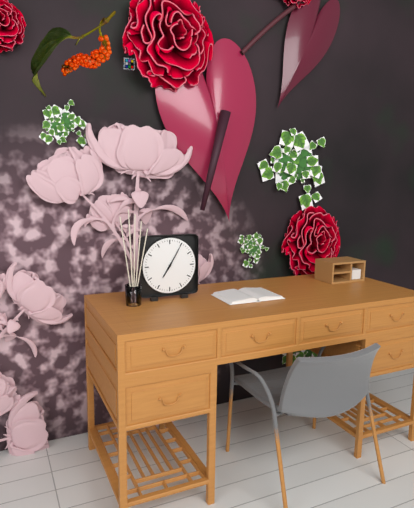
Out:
7 h 05 min
